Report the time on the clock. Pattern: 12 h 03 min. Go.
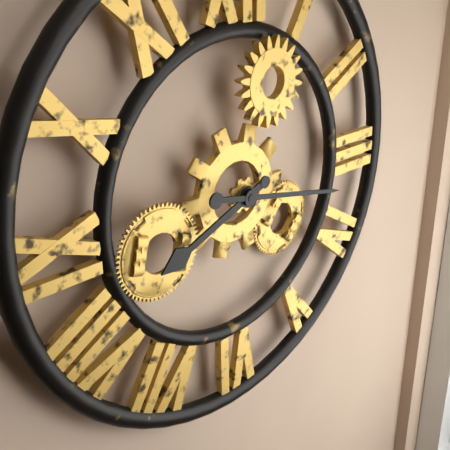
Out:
8 h 17 min
